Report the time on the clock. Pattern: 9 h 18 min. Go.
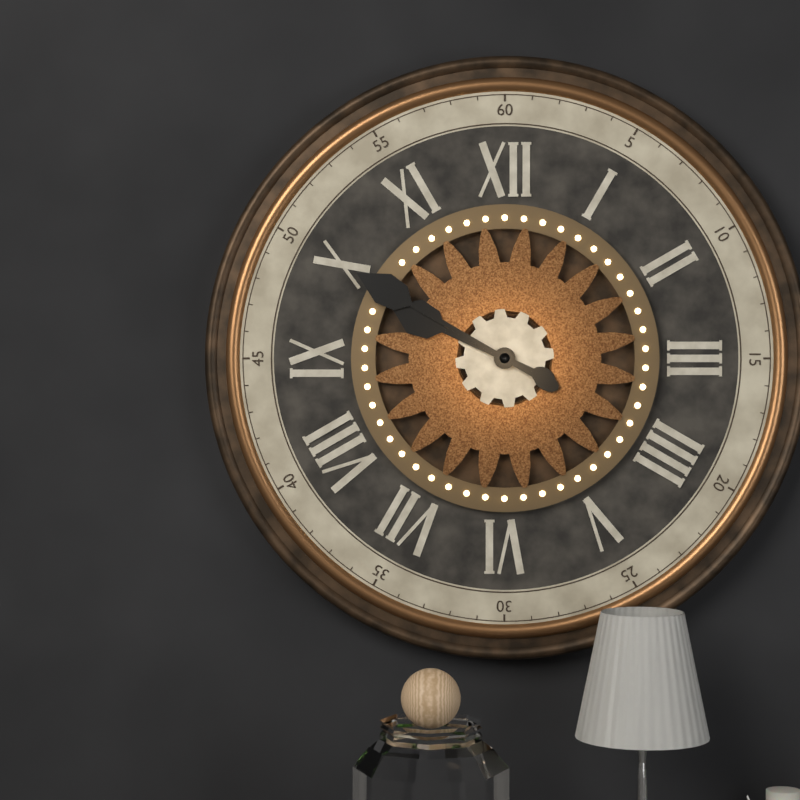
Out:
9 h 50 min
